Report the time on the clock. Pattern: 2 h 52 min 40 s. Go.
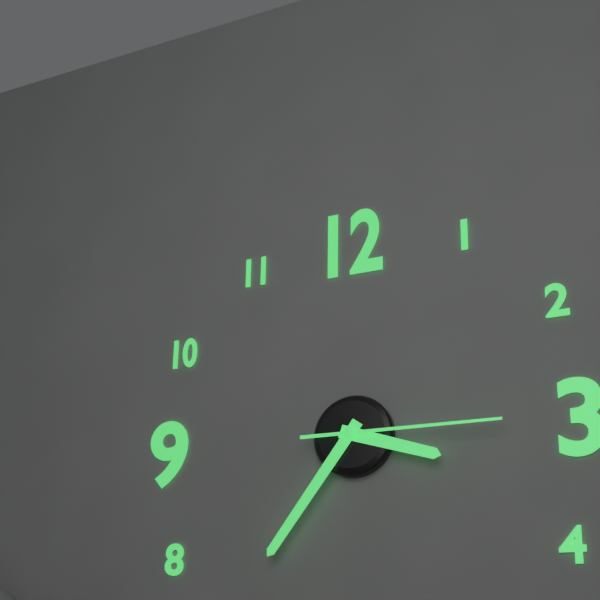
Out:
3 h 36 min 15 s
